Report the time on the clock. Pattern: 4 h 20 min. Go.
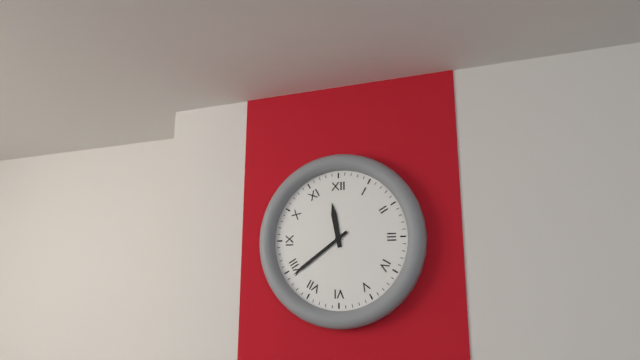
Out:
11 h 39 min
